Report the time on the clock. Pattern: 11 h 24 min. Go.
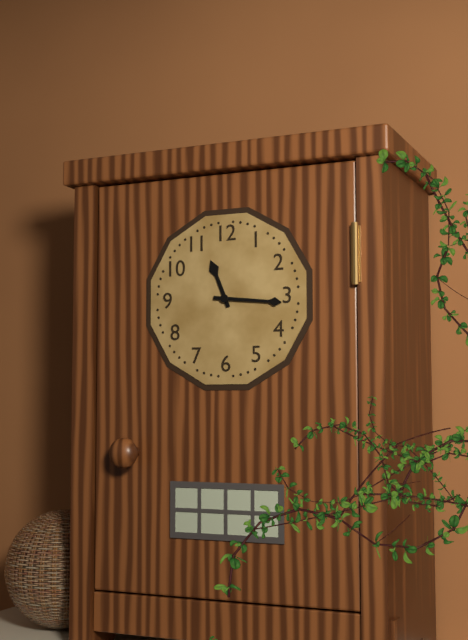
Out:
11 h 16 min
